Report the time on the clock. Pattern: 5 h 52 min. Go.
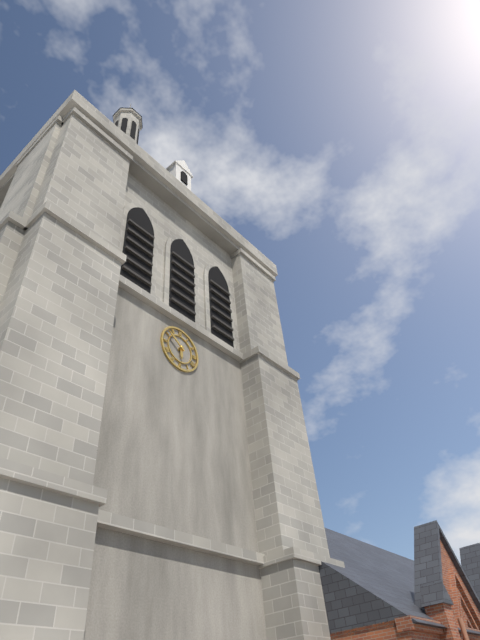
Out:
5 h 51 min
